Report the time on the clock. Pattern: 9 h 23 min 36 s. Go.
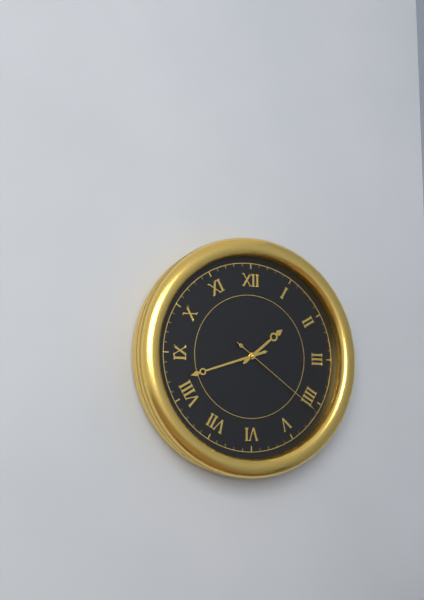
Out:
1 h 42 min 21 s
